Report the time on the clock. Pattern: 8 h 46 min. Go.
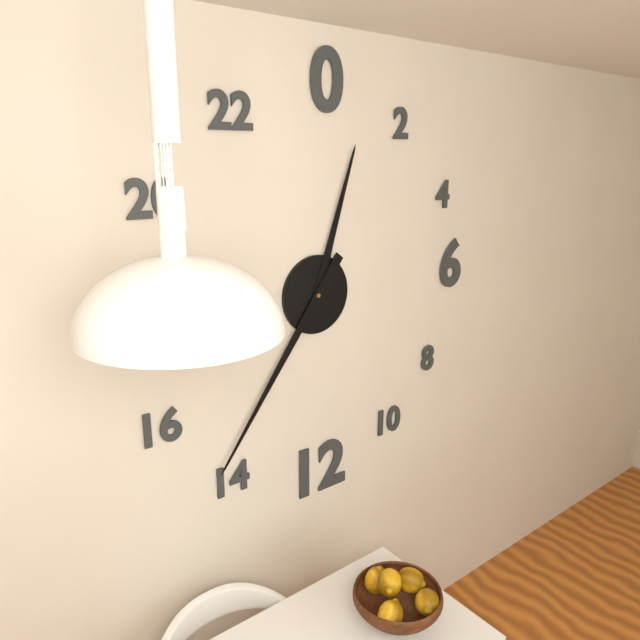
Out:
12 h 36 min
